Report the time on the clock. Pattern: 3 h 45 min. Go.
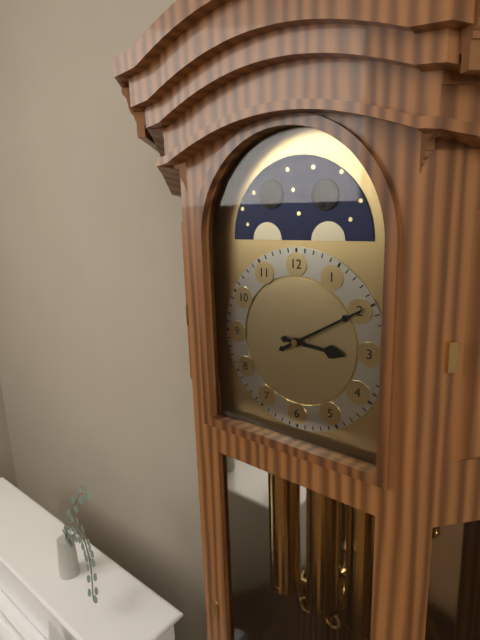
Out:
3 h 10 min
